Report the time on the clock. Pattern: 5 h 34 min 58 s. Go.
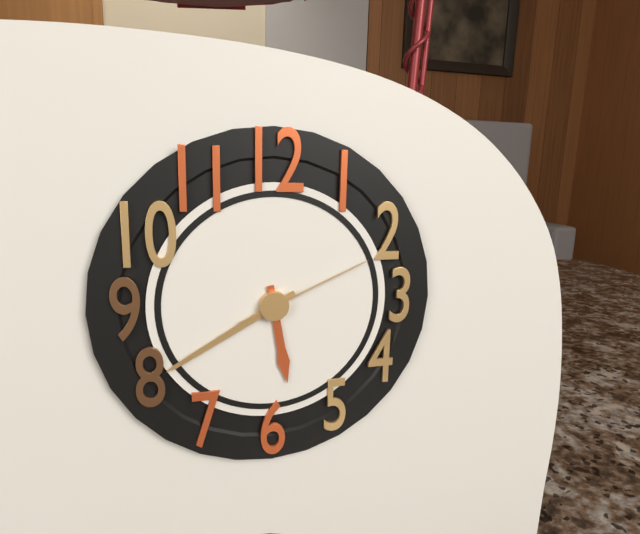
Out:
5 h 40 min 11 s
